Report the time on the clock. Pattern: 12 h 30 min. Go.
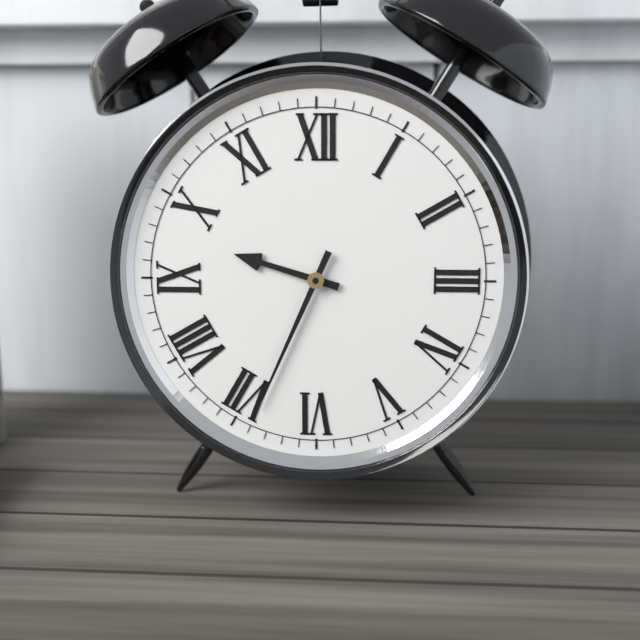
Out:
9 h 34 min
